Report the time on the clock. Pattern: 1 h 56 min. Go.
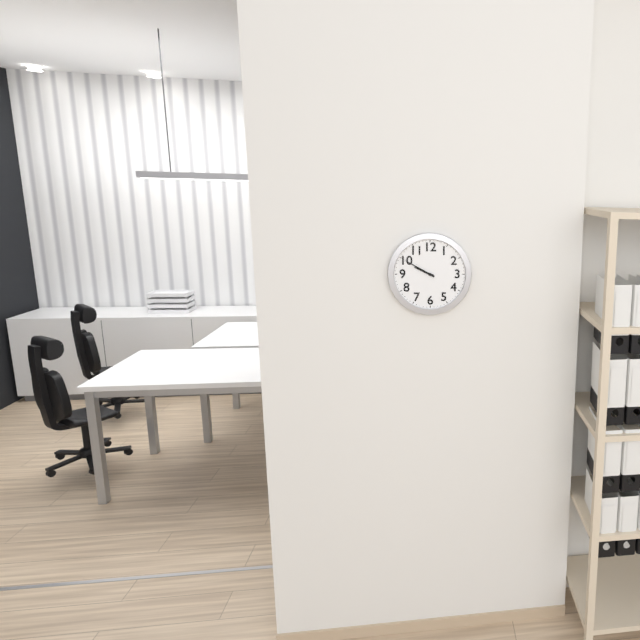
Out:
9 h 50 min
